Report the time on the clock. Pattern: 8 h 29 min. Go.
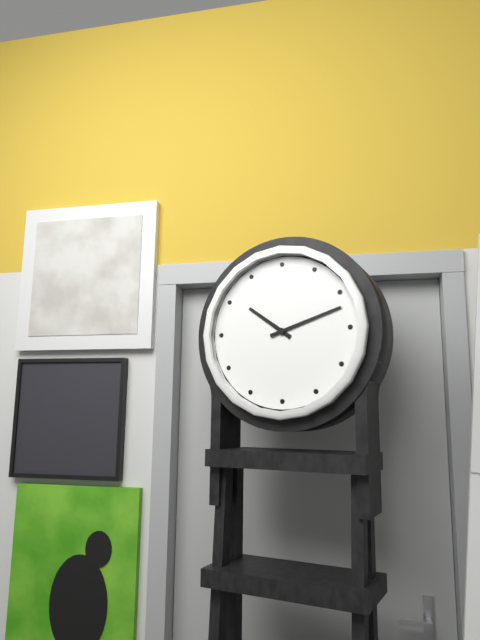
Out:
10 h 12 min
